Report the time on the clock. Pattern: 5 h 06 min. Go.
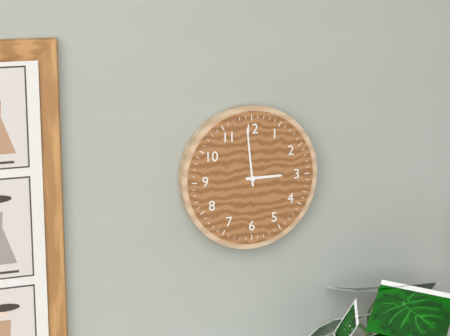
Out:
2 h 59 min
